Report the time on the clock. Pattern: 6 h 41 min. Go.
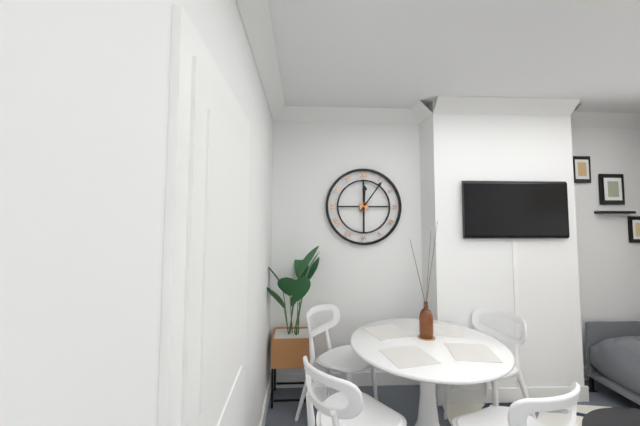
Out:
12 h 06 min
